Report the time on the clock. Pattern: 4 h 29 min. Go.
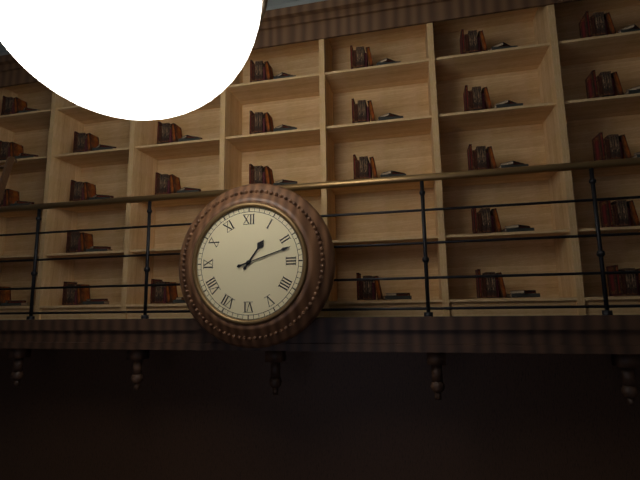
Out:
1 h 12 min
